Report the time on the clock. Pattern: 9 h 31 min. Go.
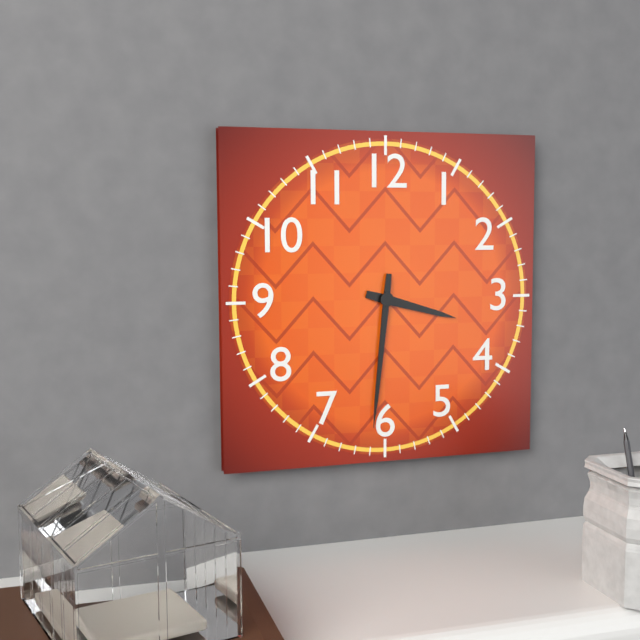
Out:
3 h 31 min
